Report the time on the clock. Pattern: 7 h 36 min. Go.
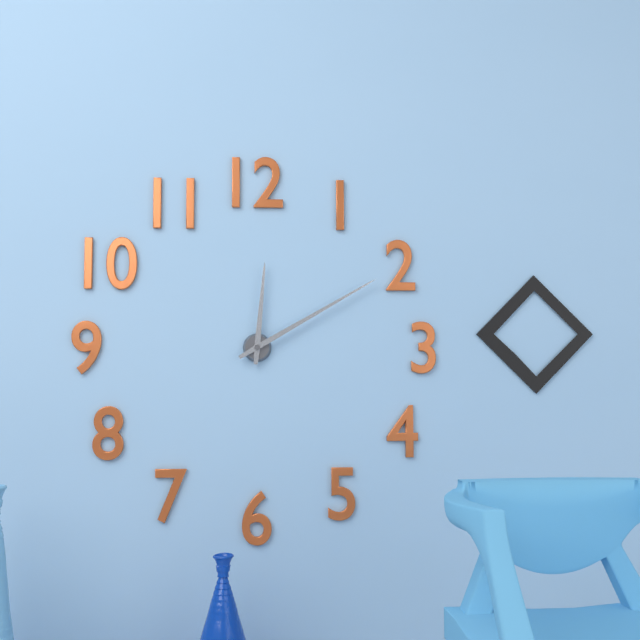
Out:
12 h 10 min
